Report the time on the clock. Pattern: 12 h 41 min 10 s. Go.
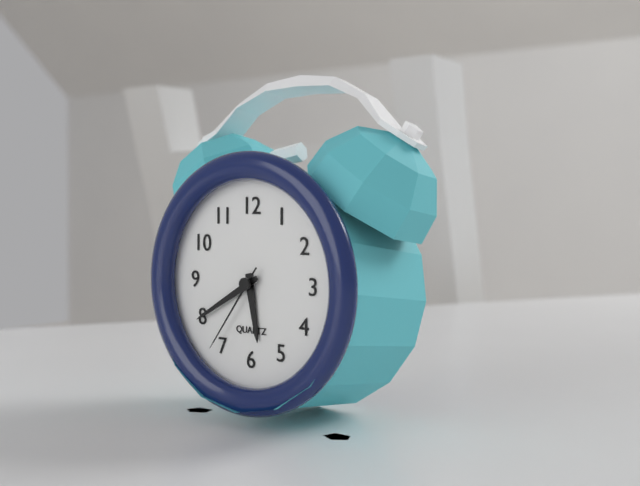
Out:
5 h 40 min 36 s
